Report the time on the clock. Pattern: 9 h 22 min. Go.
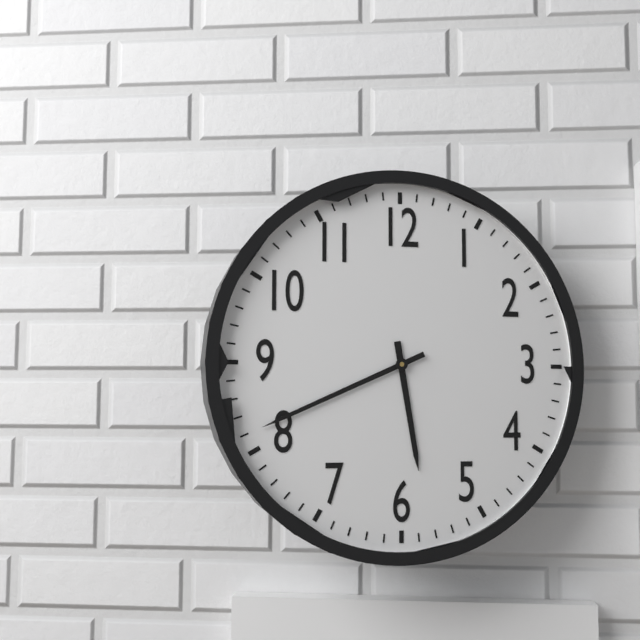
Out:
5 h 41 min
